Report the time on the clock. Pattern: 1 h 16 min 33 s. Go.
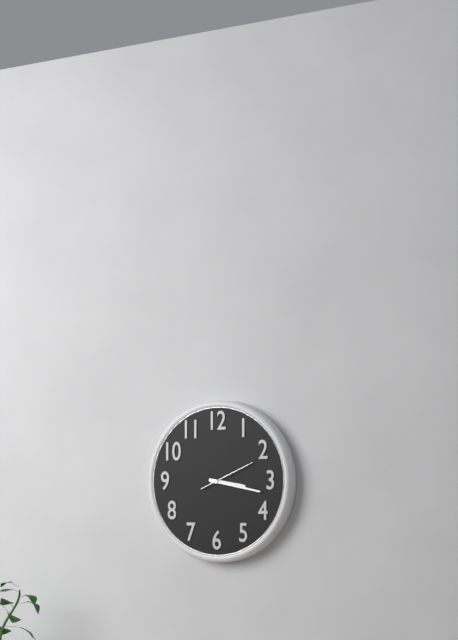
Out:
3 h 17 min 11 s
